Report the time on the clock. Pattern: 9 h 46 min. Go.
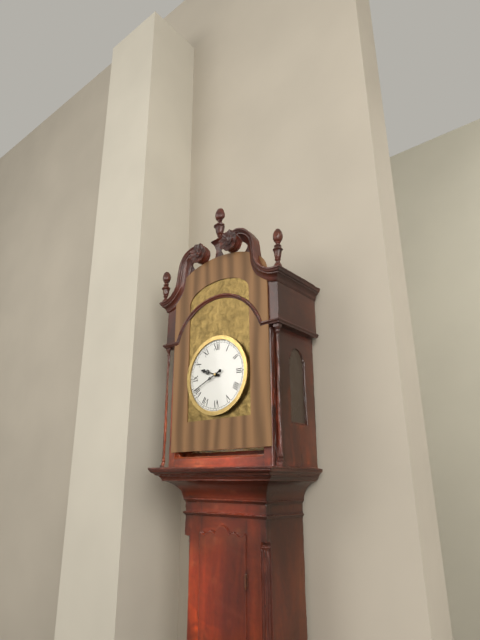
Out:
9 h 41 min
